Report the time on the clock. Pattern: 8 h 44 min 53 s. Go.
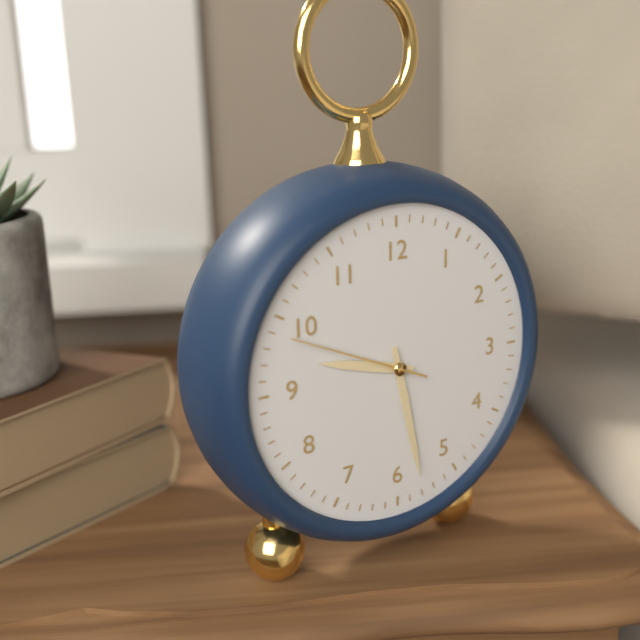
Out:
9 h 28 min 49 s
